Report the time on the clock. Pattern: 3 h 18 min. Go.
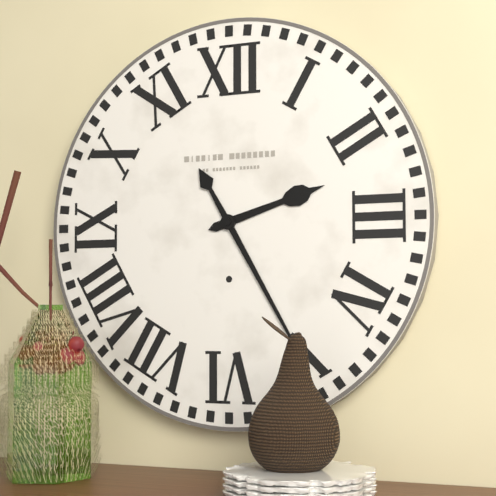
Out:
2 h 25 min
